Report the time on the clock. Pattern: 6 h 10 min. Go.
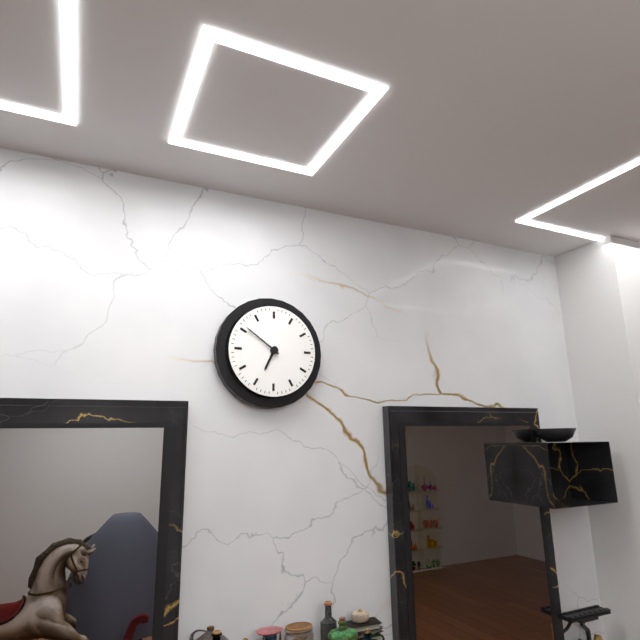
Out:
6 h 51 min
